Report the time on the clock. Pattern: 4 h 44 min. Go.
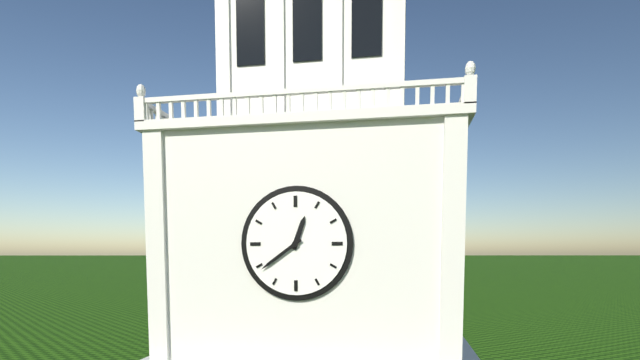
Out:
12 h 39 min
